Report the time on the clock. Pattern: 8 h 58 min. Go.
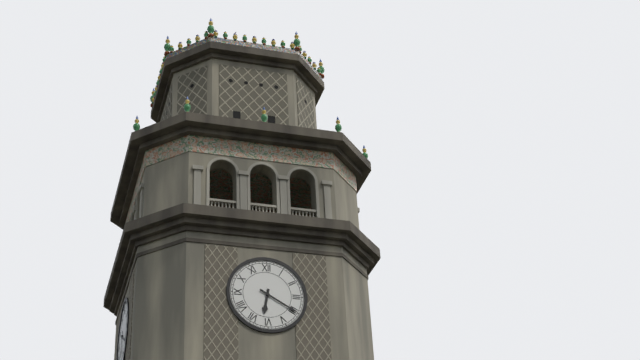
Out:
6 h 20 min
